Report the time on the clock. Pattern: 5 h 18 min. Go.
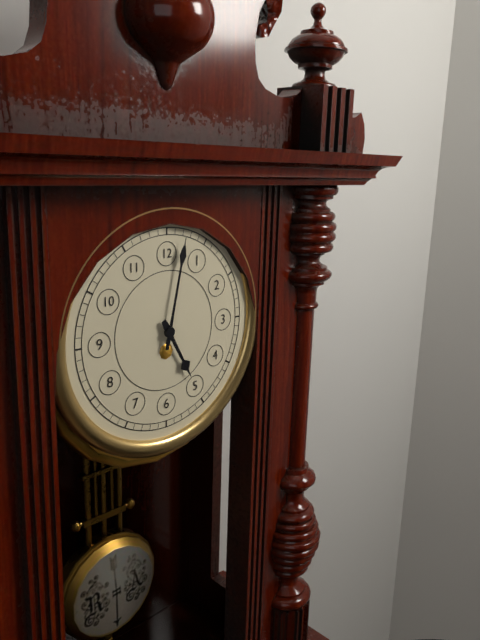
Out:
5 h 02 min
